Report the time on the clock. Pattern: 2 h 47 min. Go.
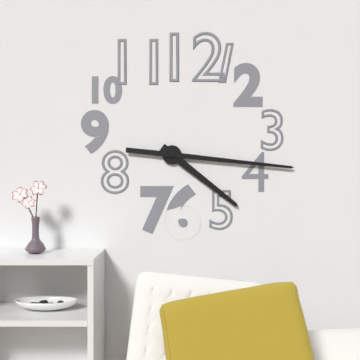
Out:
4 h 16 min
